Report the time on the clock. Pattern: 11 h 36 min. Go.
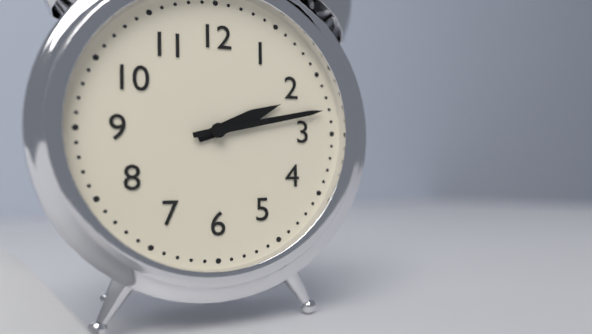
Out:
2 h 13 min
